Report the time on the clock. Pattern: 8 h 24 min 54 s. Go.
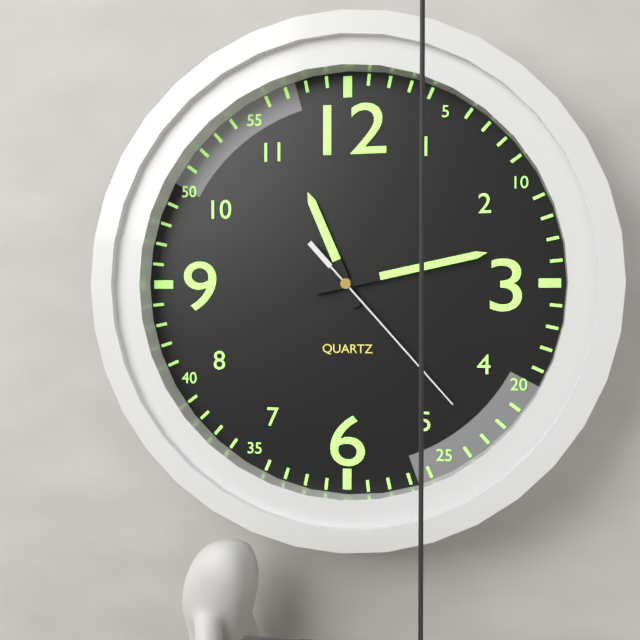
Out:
11 h 13 min 23 s
